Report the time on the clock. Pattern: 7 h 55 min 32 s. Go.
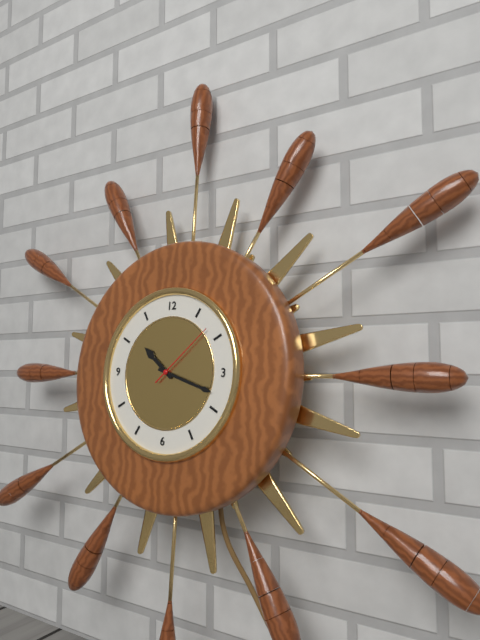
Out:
10 h 18 min 08 s
